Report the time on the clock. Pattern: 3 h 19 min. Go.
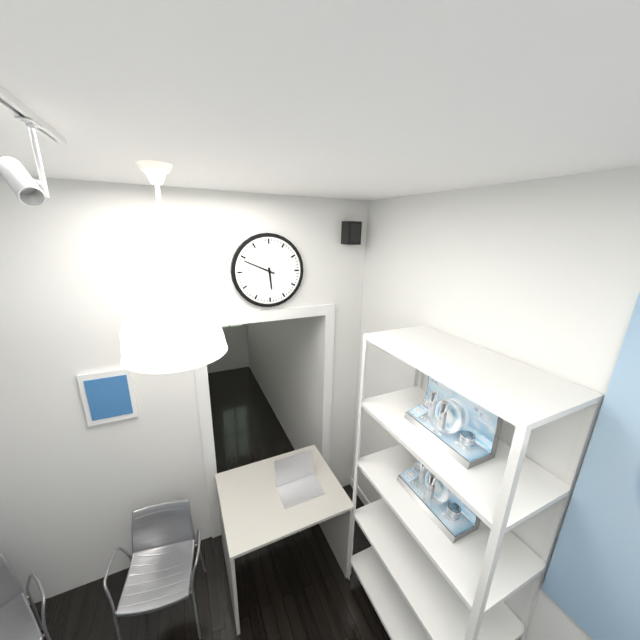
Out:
5 h 49 min
